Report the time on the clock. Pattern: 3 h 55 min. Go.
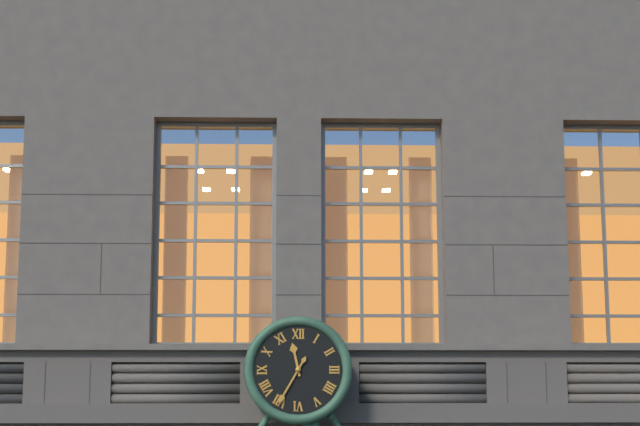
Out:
11 h 35 min
